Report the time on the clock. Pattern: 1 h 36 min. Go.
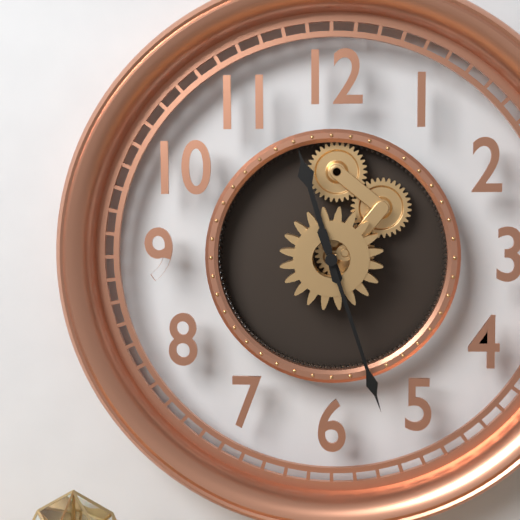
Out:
11 h 27 min
